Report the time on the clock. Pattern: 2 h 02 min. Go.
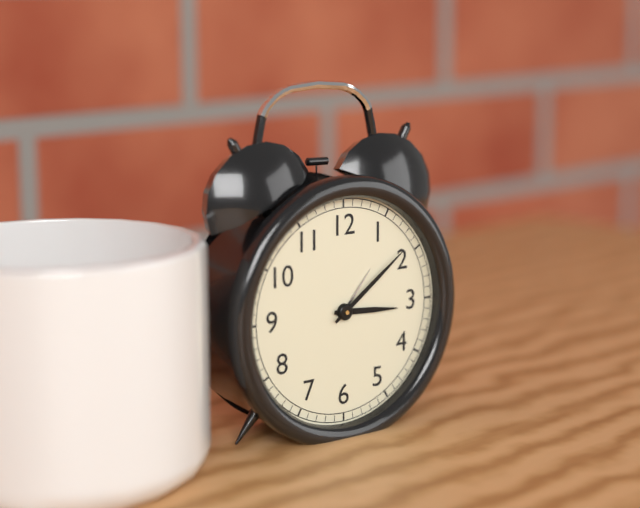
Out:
3 h 09 min
